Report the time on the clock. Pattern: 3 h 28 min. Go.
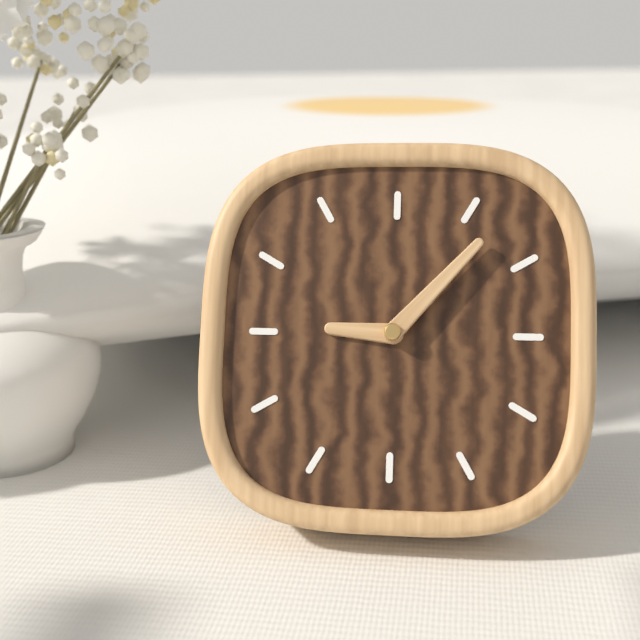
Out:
9 h 07 min
